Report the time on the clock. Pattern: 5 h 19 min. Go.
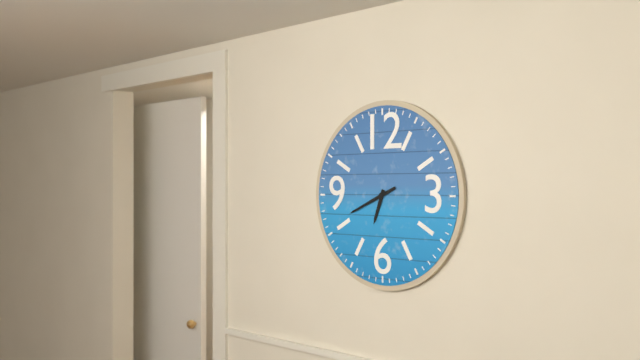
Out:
6 h 41 min
